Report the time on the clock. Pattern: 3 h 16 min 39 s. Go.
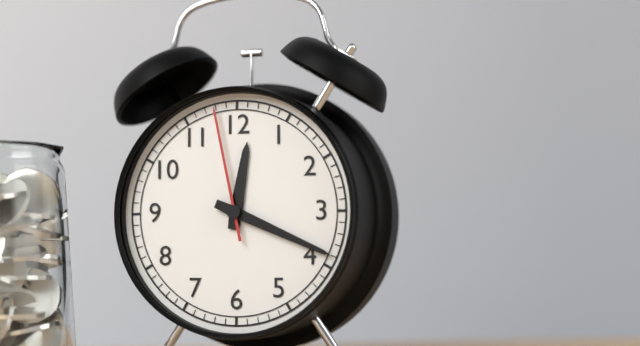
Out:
12 h 19 min 58 s
